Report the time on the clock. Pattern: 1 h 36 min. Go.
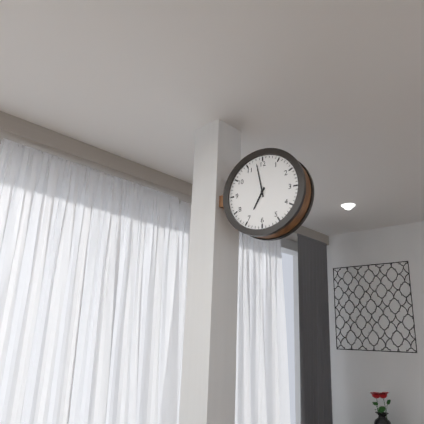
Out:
6 h 58 min
